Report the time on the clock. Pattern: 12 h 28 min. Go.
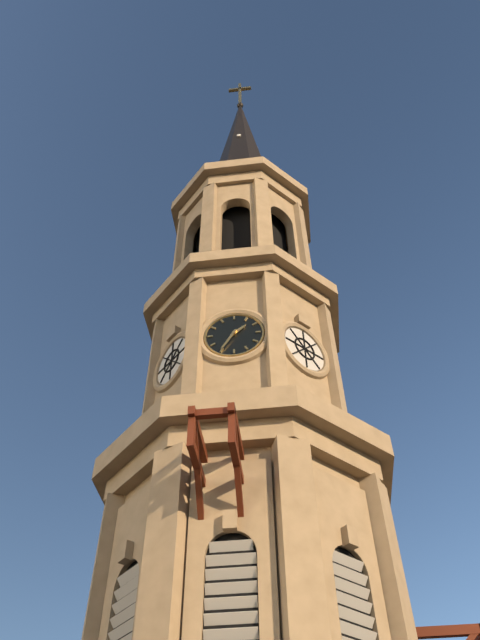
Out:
1 h 35 min
